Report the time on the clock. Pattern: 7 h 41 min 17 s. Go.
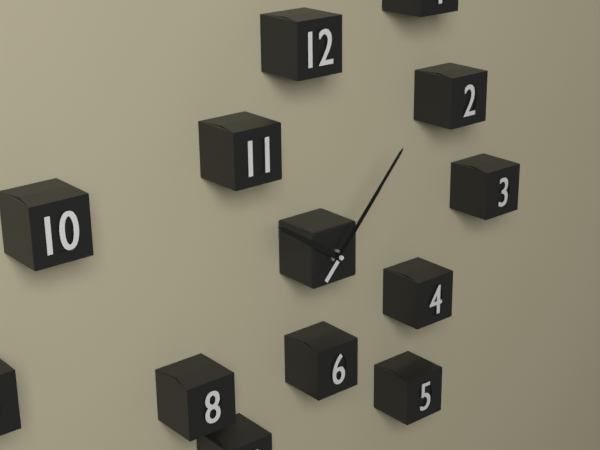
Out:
10 h 07 min 07 s
